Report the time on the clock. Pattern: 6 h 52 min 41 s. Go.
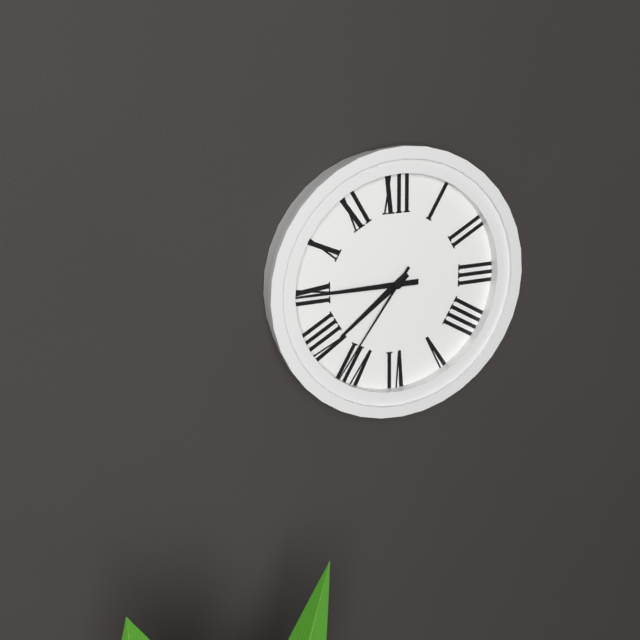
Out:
7 h 45 min 36 s
